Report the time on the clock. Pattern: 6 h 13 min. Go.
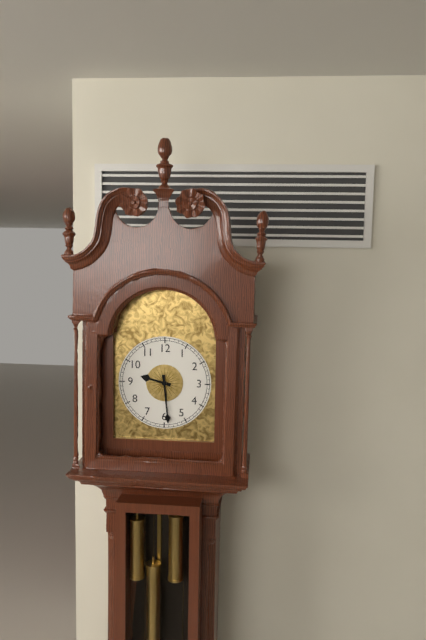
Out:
9 h 29 min
